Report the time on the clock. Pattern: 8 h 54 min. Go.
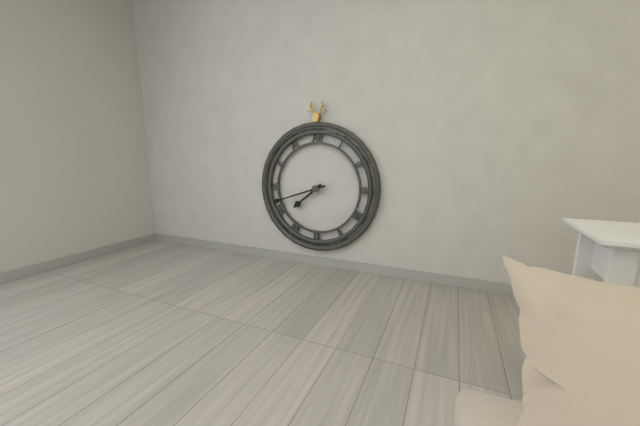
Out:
7 h 42 min
